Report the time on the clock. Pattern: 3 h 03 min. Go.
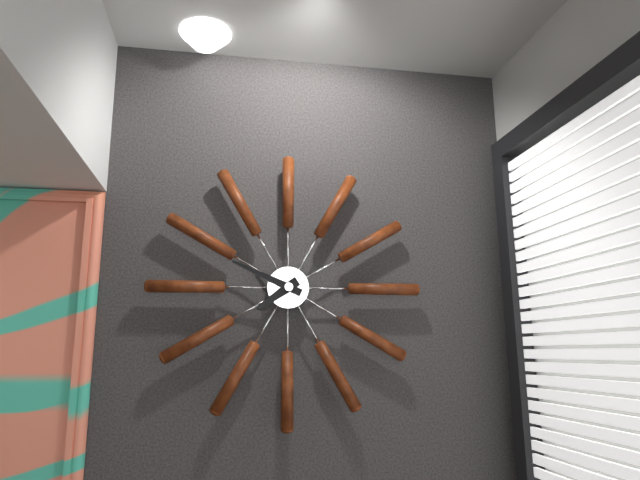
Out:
7 h 49 min
